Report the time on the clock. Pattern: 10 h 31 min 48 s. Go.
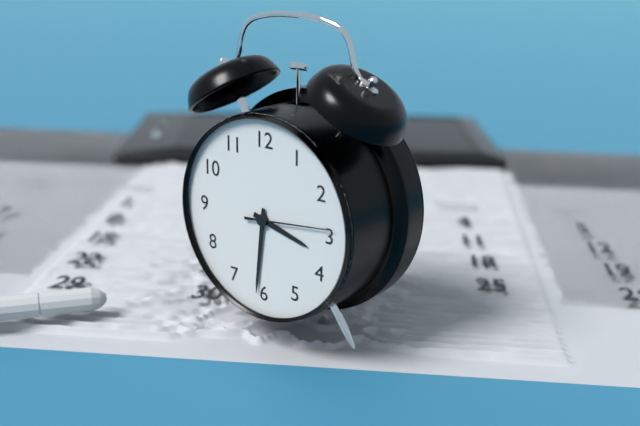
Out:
3 h 31 min 14 s
